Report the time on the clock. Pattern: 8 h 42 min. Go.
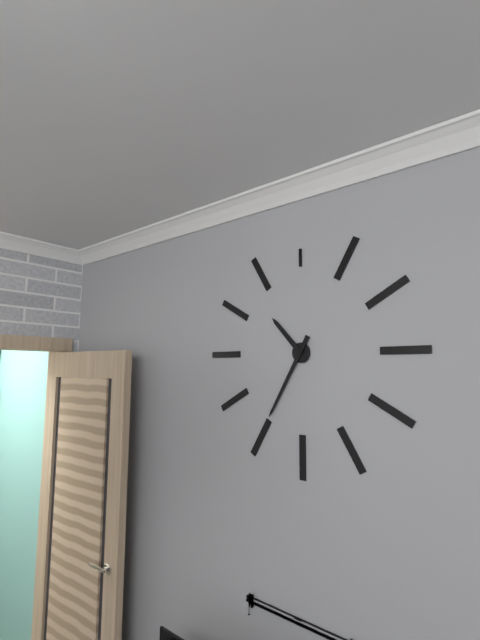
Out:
10 h 35 min
